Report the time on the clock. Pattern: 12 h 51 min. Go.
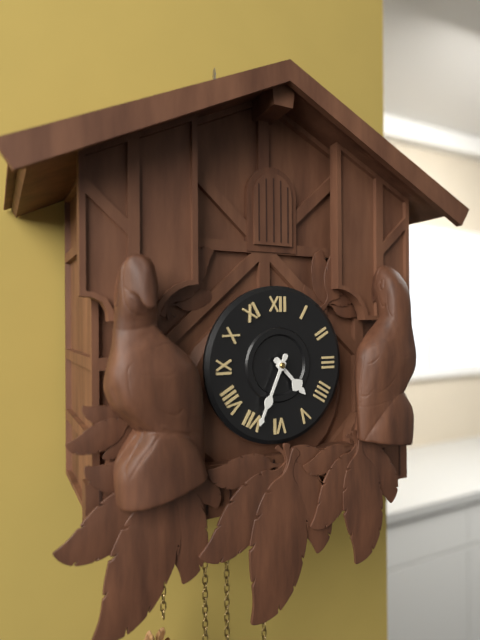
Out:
4 h 34 min
